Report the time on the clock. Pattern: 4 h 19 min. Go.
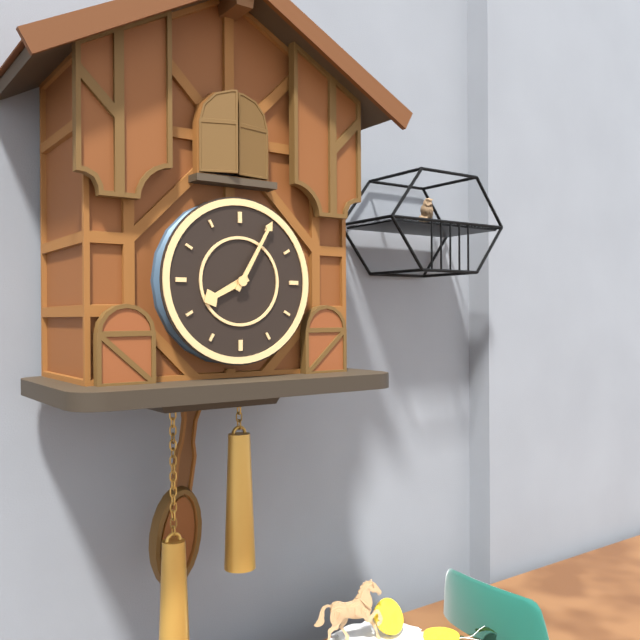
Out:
8 h 05 min
